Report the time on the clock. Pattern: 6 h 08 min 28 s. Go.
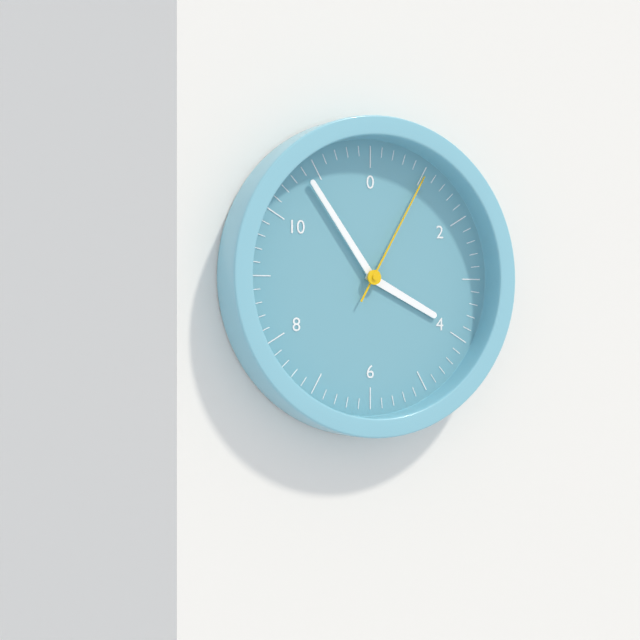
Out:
3 h 54 min 05 s
